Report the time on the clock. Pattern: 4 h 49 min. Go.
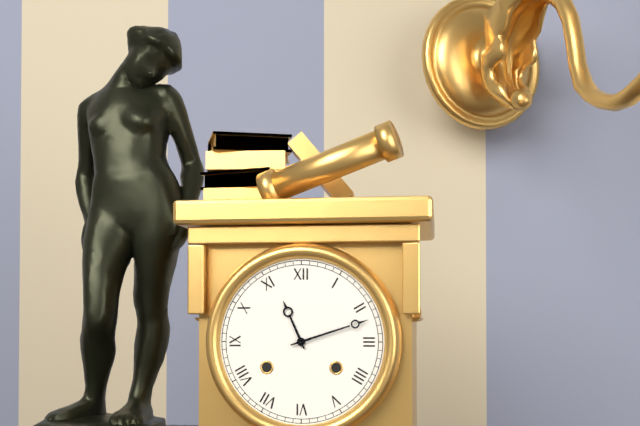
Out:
11 h 12 min
